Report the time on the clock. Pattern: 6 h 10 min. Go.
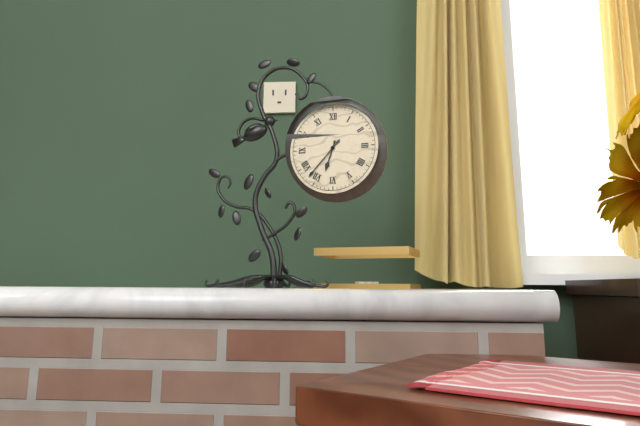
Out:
6 h 37 min
